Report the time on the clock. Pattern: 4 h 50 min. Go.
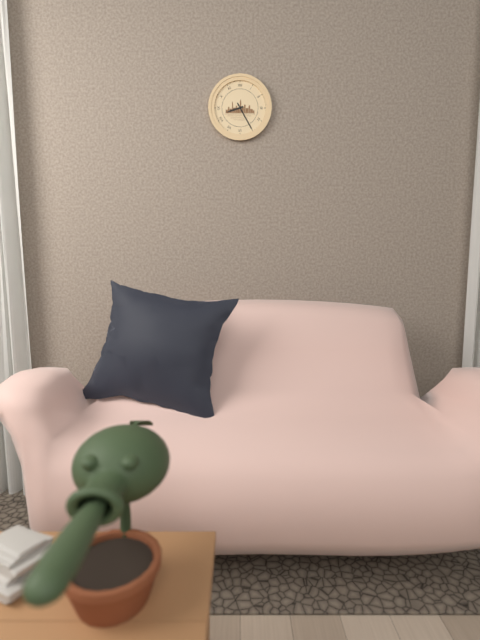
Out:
8 h 25 min
